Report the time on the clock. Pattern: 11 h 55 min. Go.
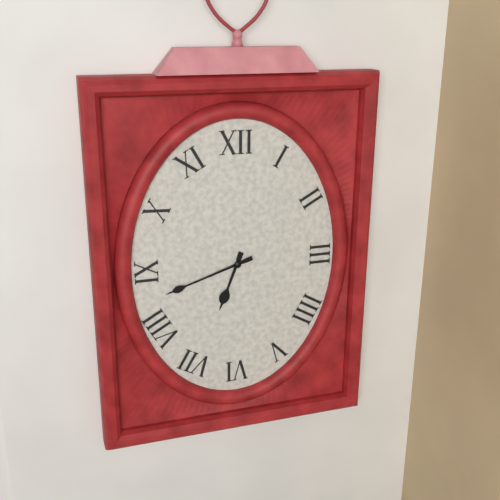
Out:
6 h 42 min
